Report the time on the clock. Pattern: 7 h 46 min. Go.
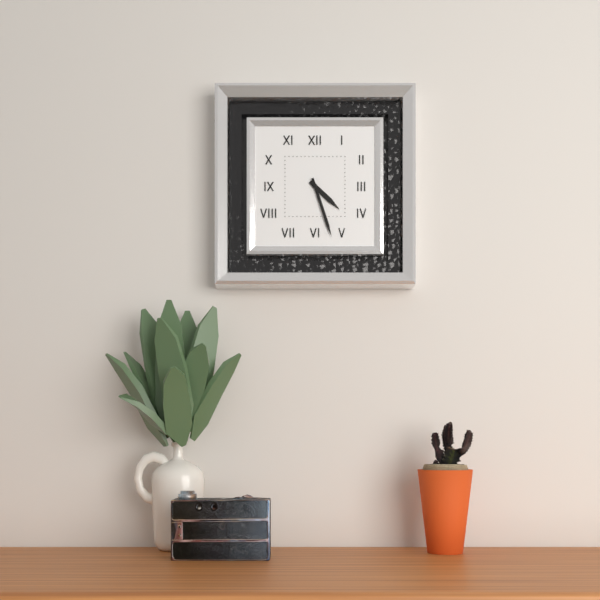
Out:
4 h 27 min
